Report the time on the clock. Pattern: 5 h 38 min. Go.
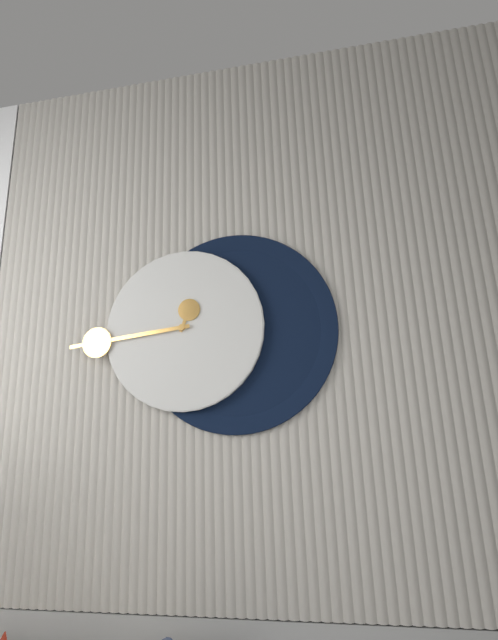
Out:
12 h 44 min
